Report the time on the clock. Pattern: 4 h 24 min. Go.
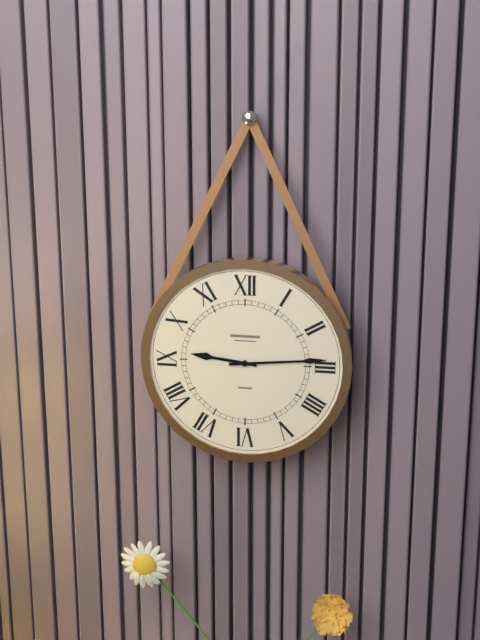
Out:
9 h 14 min
